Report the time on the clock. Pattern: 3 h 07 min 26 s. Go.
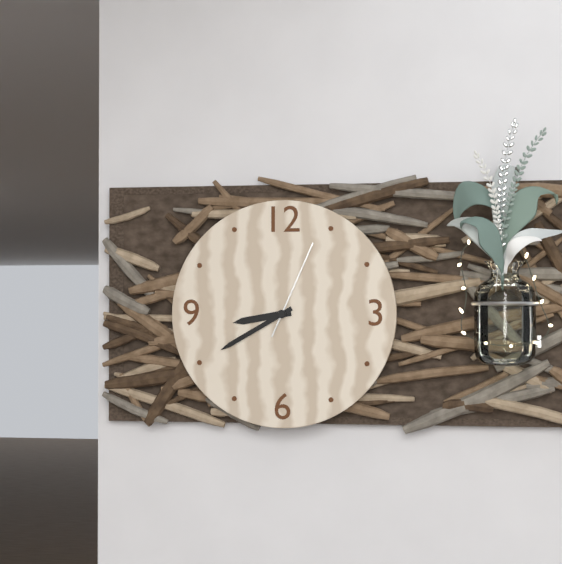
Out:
8 h 40 min 04 s
